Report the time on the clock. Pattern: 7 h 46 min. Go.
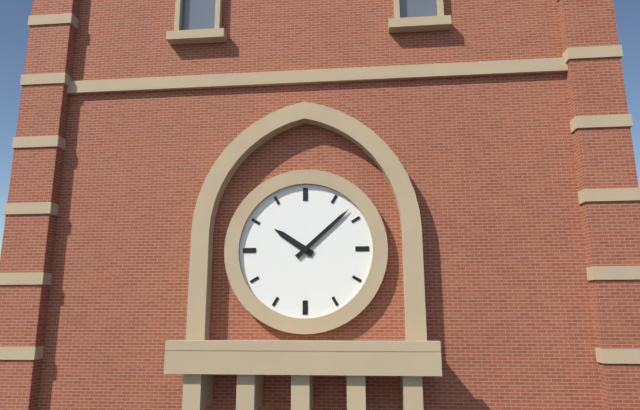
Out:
10 h 08 min
